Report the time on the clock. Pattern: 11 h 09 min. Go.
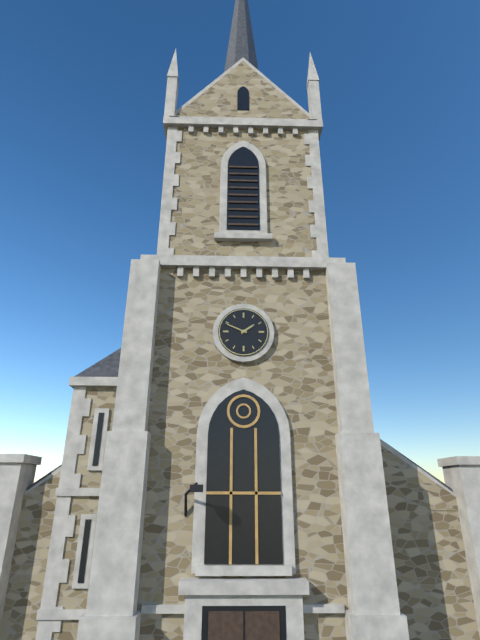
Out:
1 h 49 min
